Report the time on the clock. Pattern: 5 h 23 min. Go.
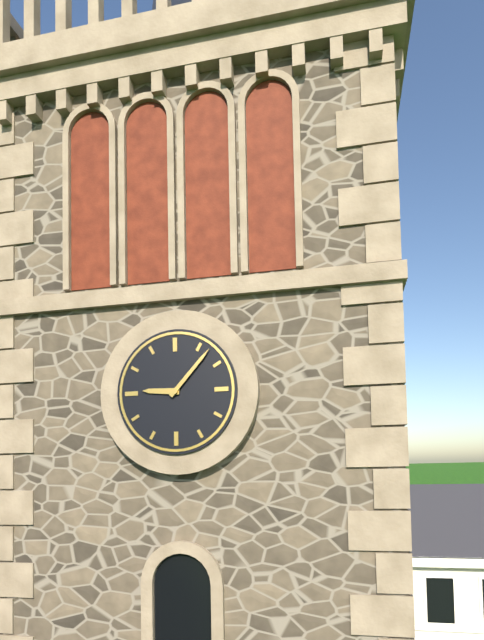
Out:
9 h 07 min
